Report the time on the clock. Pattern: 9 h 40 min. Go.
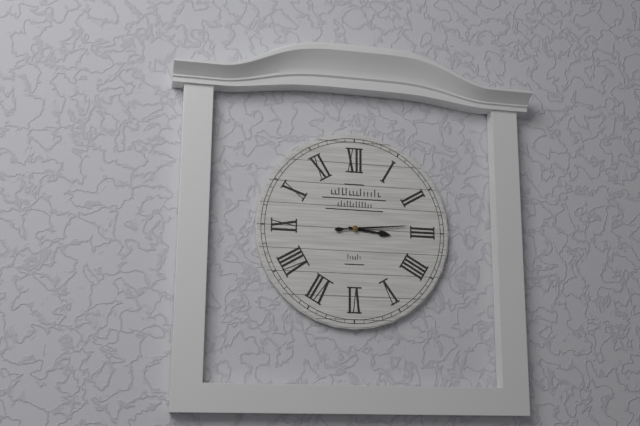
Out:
3 h 14 min
